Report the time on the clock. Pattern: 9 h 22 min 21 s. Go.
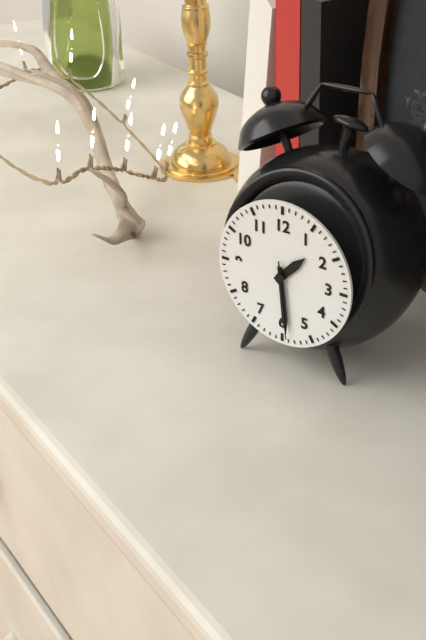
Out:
1 h 29 min 29 s
